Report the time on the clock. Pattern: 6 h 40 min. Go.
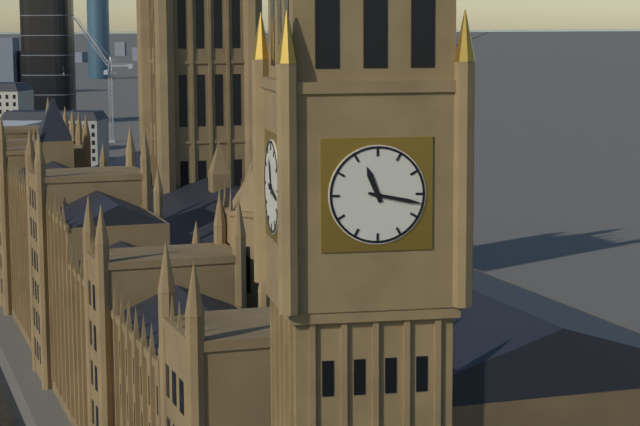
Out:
11 h 17 min
